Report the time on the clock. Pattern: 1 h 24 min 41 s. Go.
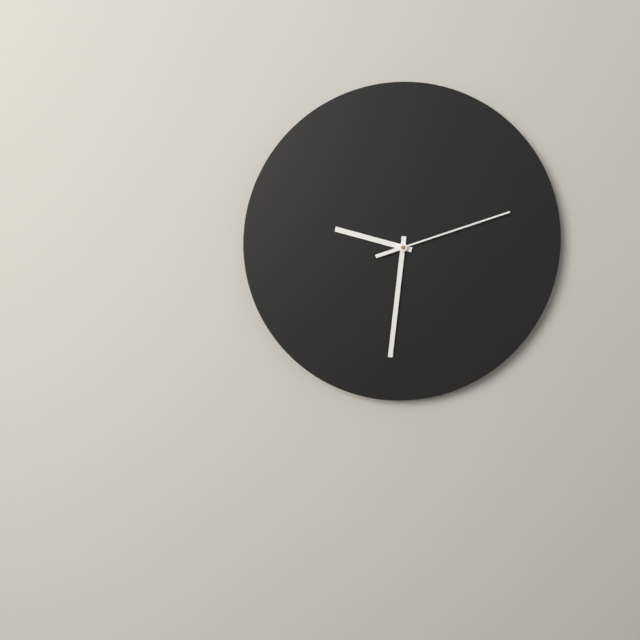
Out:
9 h 31 min 12 s
